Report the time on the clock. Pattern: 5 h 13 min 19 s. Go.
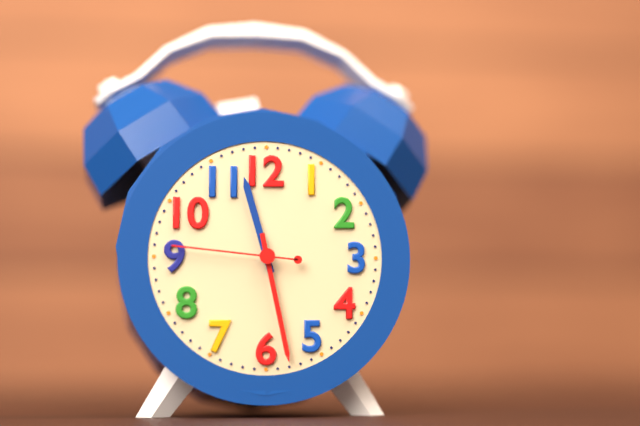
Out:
11 h 28 min 46 s
